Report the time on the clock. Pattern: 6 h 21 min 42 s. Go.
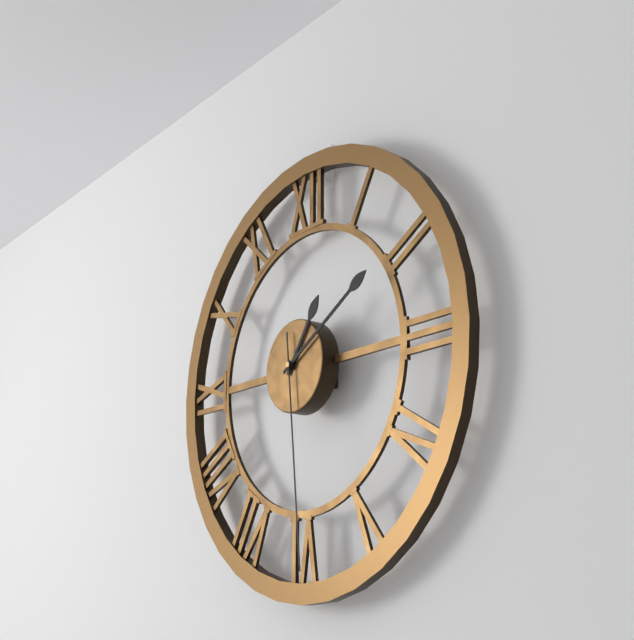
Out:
1 h 10 min 29 s
